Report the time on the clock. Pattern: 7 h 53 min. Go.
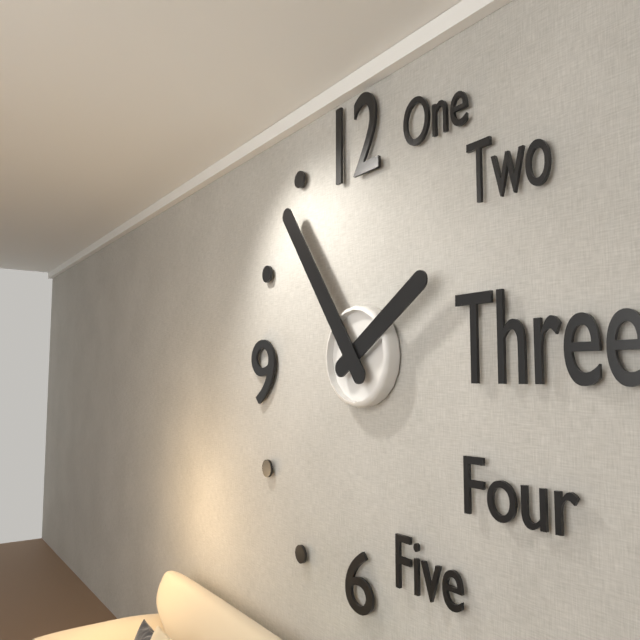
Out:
1 h 54 min
